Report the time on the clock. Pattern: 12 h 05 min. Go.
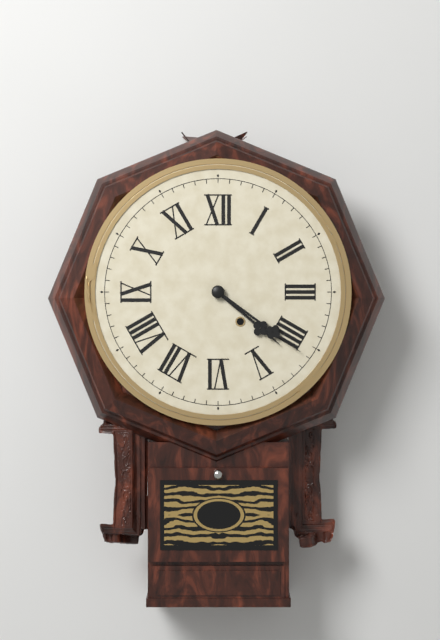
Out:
4 h 21 min
